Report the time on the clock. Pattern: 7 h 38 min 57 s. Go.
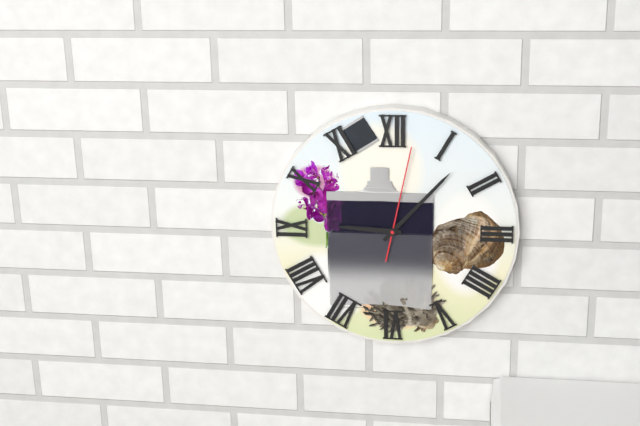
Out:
9 h 07 min 02 s
